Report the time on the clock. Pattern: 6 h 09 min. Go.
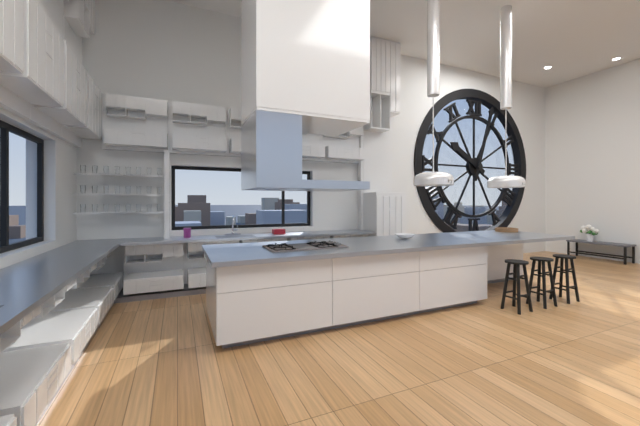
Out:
10 h 03 min
